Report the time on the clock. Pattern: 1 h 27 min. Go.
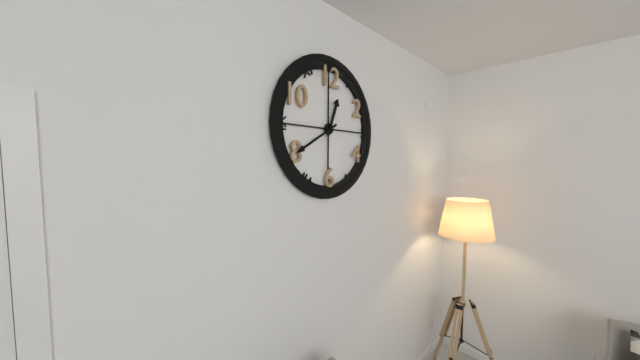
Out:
12 h 40 min
